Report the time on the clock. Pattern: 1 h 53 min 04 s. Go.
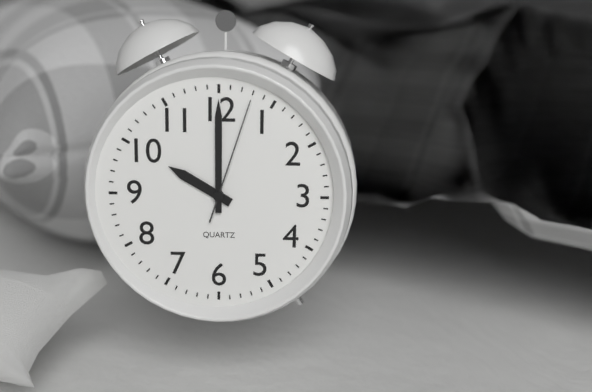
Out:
10 h 00 min 03 s
